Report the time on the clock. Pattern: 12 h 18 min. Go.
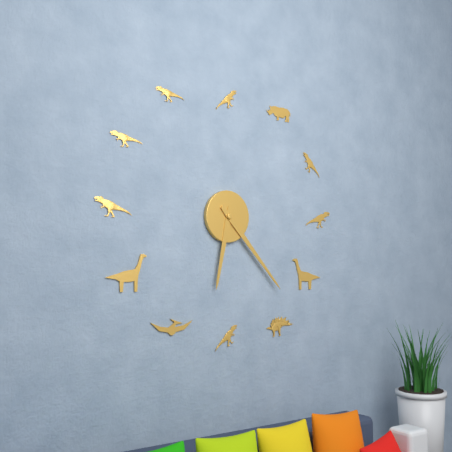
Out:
6 h 23 min
